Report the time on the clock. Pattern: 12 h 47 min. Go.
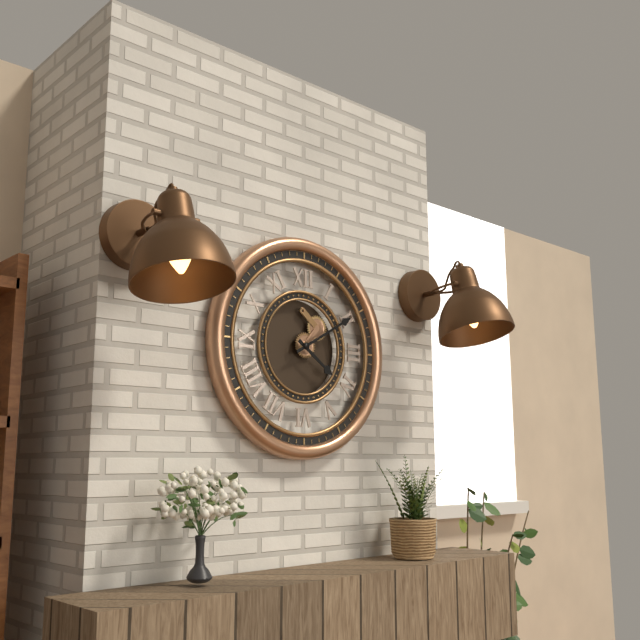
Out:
4 h 10 min
